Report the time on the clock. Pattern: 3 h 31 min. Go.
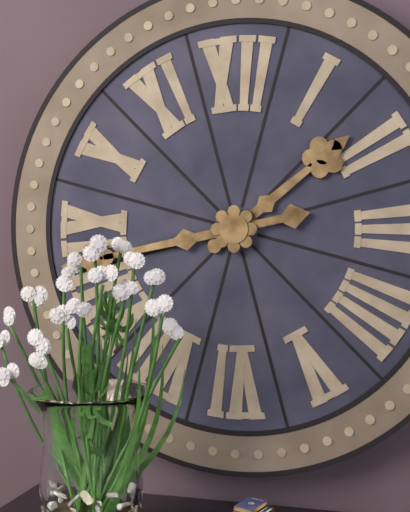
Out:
1 h 43 min
